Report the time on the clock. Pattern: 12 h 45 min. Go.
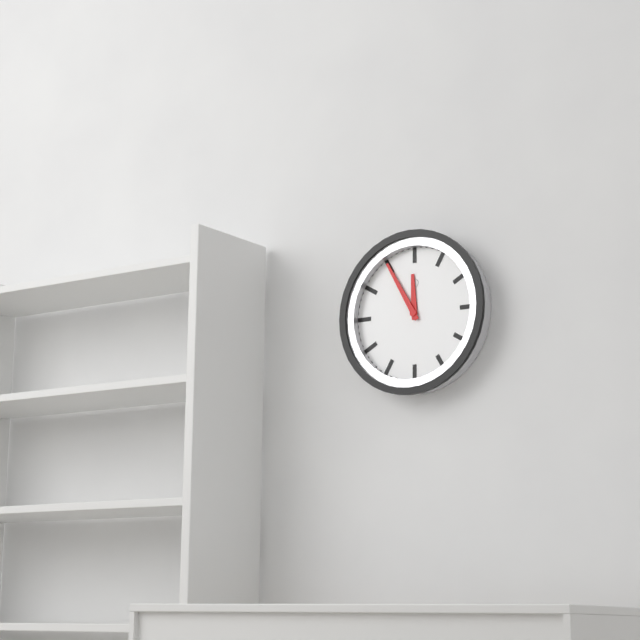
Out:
11 h 55 min
